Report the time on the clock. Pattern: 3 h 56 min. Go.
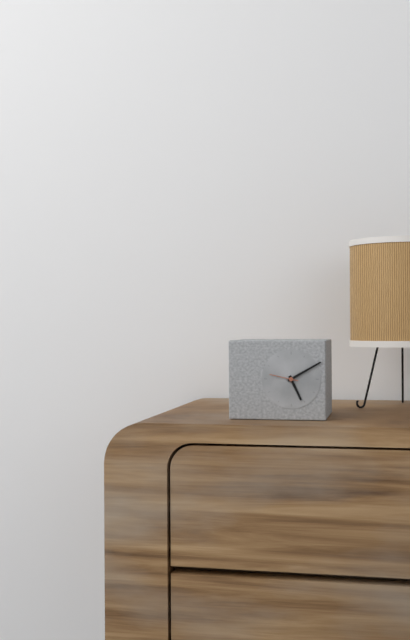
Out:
5 h 10 min
